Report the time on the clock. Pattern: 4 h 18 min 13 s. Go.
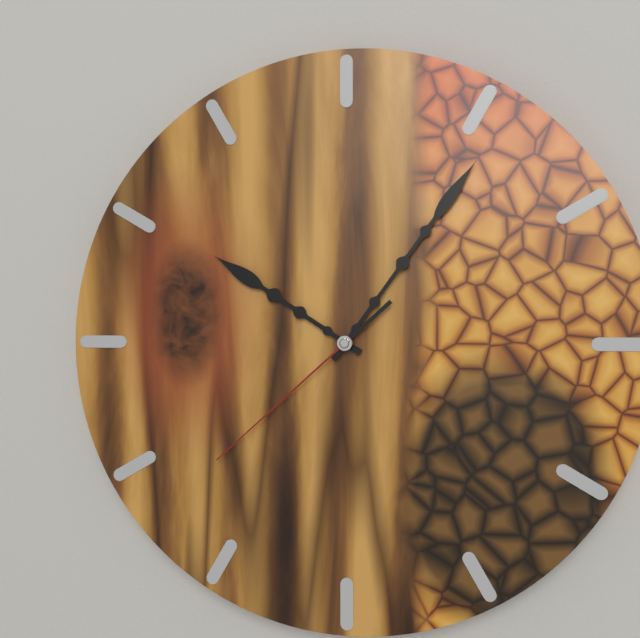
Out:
10 h 06 min 38 s
